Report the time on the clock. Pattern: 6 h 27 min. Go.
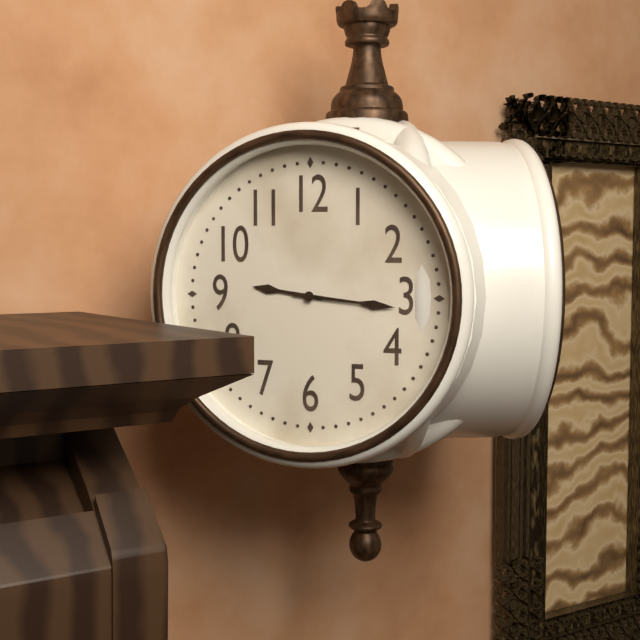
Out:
9 h 16 min
